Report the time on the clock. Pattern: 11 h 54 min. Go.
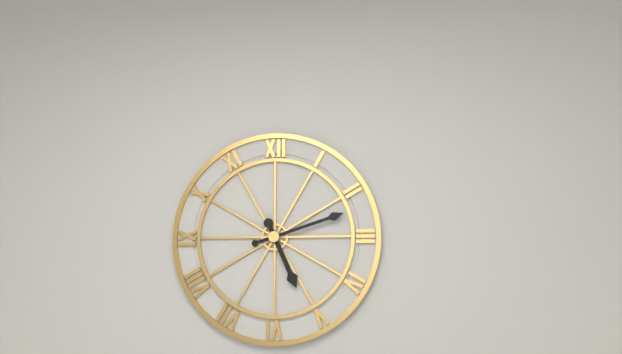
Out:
5 h 12 min
